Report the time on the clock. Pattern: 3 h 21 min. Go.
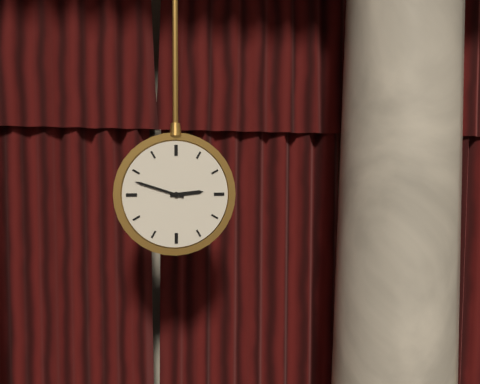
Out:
2 h 48 min
